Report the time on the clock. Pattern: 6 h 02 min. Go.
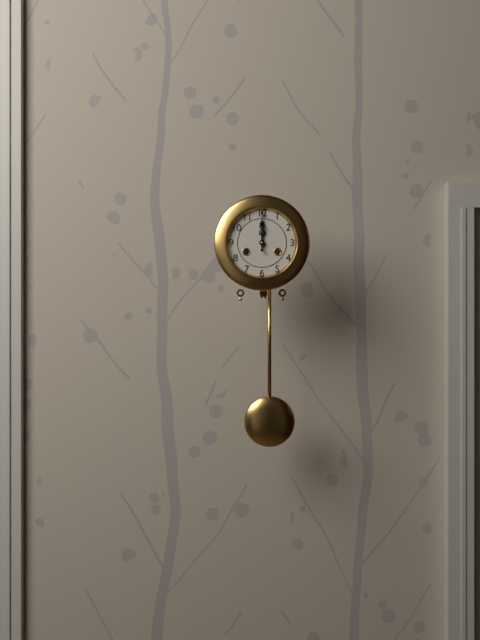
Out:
12 h 00 min
